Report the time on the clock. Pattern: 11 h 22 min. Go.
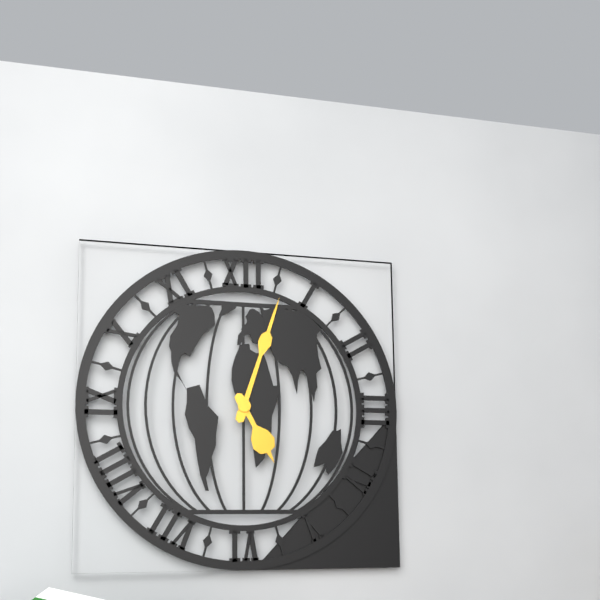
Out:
5 h 03 min
